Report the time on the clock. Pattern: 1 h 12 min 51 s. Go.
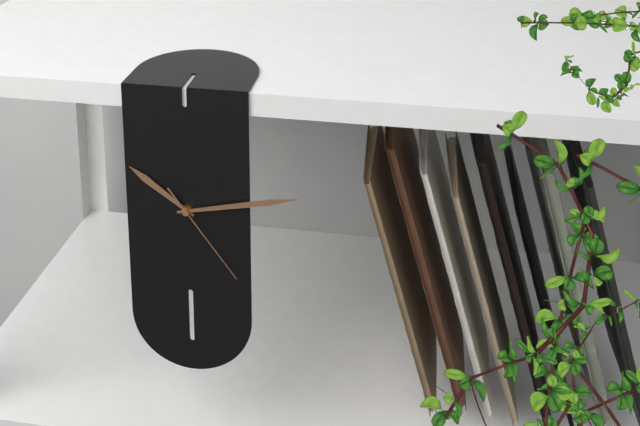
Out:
10 h 13 min 24 s
